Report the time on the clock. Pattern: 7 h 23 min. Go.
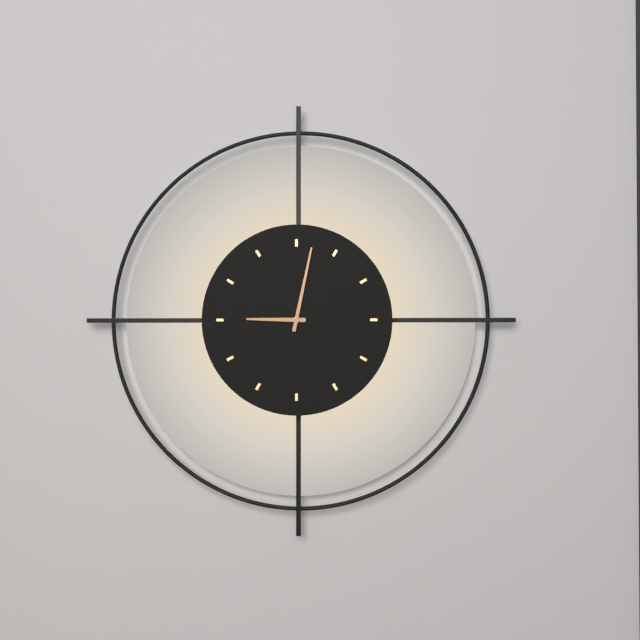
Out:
9 h 02 min
